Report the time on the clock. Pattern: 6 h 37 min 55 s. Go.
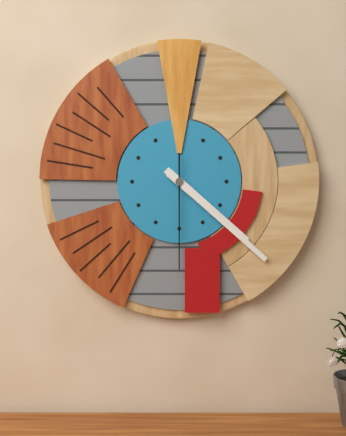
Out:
4 h 22 min 30 s
